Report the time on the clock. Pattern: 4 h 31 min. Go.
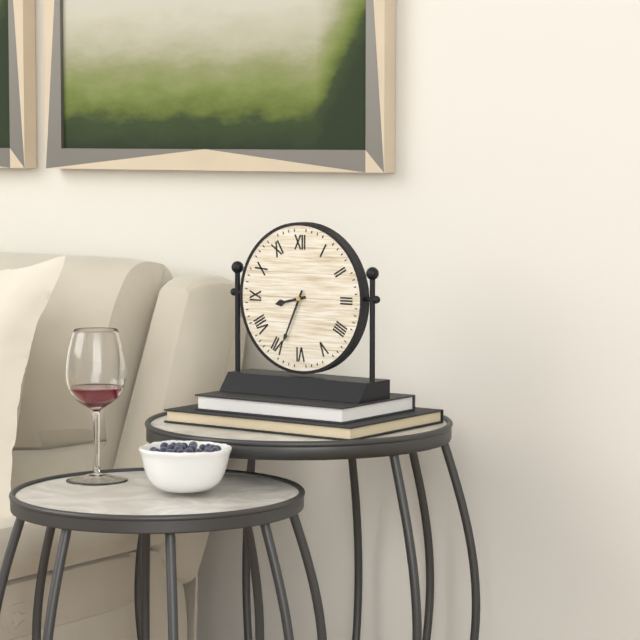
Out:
8 h 34 min
